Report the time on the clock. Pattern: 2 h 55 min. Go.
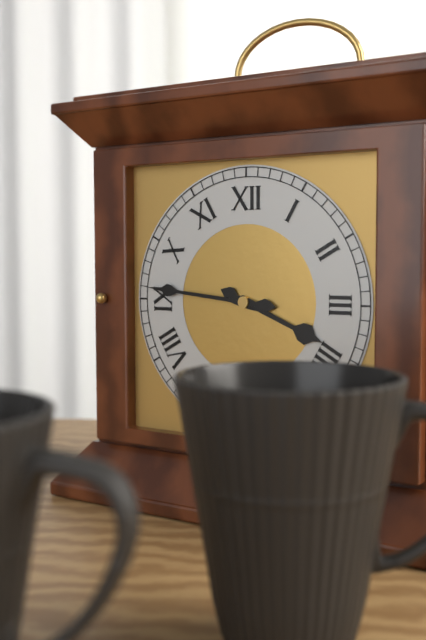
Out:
3 h 46 min
